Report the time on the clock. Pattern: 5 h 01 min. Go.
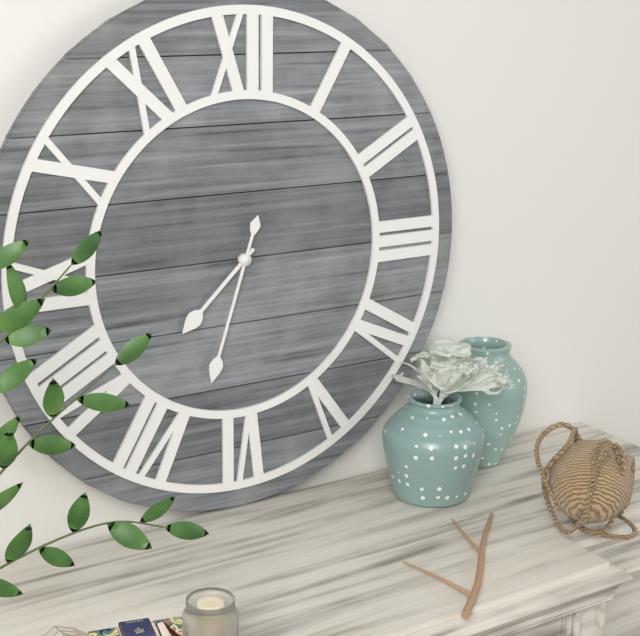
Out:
7 h 33 min
